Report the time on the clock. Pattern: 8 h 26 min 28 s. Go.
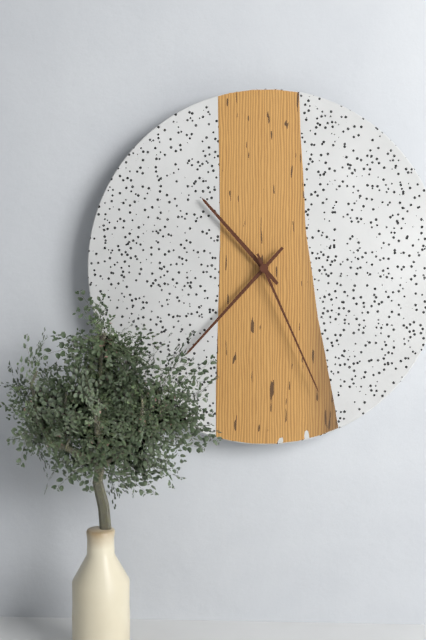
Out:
10 h 37 min 26 s
